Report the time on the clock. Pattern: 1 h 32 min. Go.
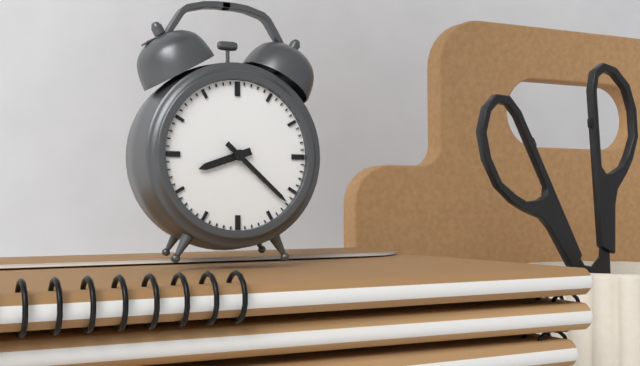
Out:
8 h 22 min
